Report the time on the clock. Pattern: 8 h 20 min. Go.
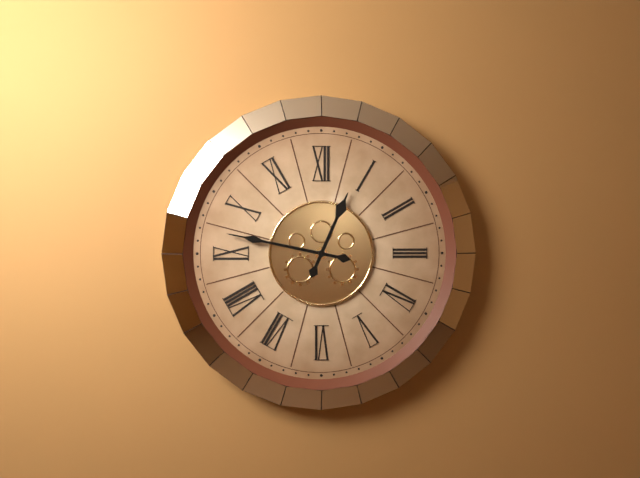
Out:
12 h 47 min
